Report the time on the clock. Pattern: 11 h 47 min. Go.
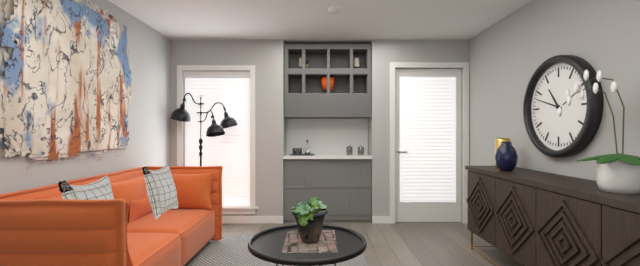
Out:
10 h 48 min
